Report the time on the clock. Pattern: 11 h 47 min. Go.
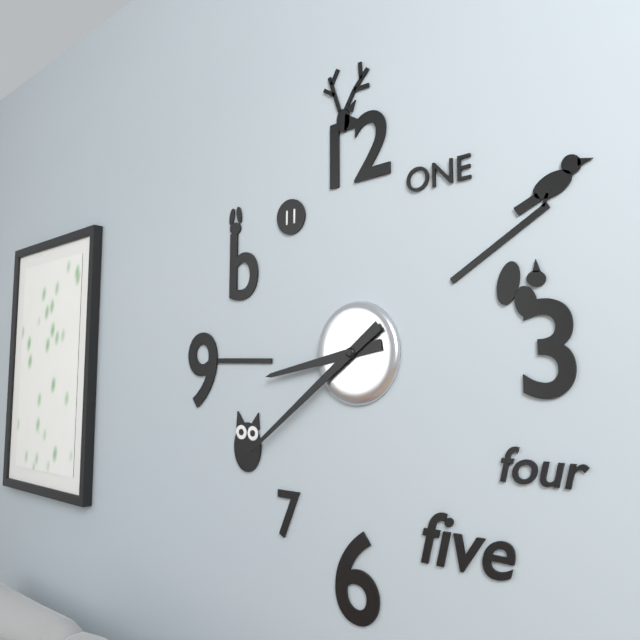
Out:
8 h 39 min
